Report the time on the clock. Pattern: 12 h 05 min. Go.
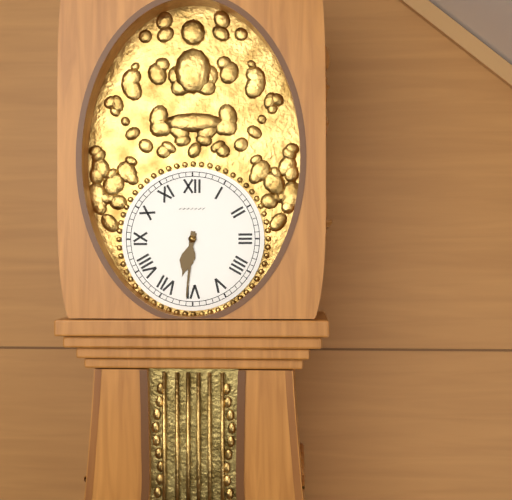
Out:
6 h 31 min
